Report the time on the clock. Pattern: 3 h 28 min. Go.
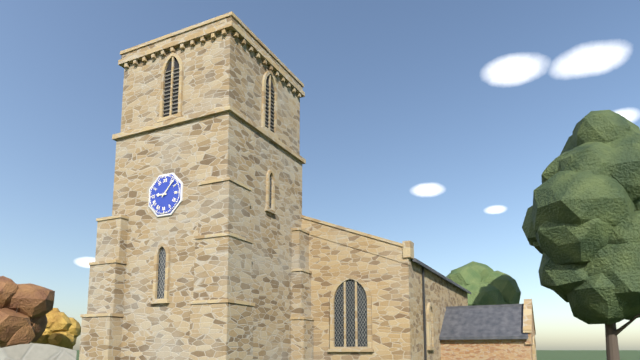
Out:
9 h 07 min
